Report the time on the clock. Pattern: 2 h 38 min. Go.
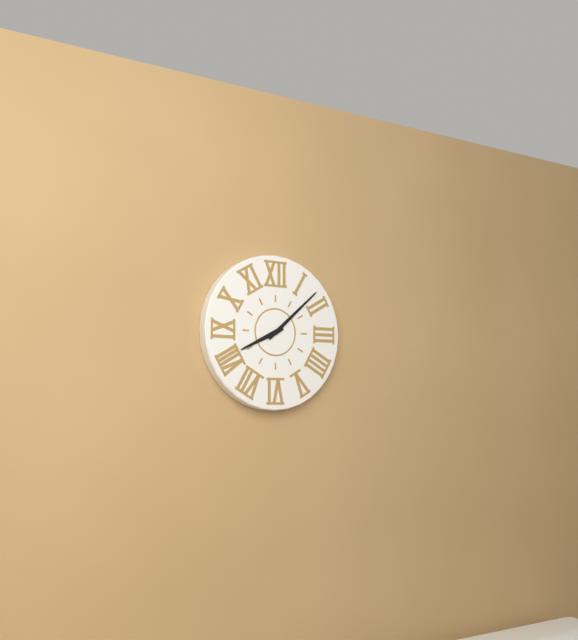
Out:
8 h 08 min
